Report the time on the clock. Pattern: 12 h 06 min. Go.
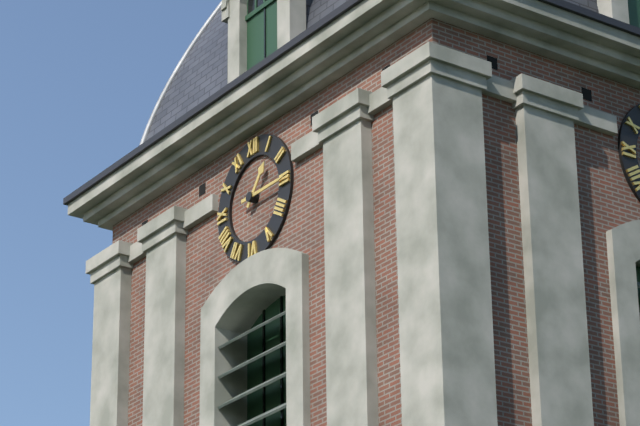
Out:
1 h 15 min
